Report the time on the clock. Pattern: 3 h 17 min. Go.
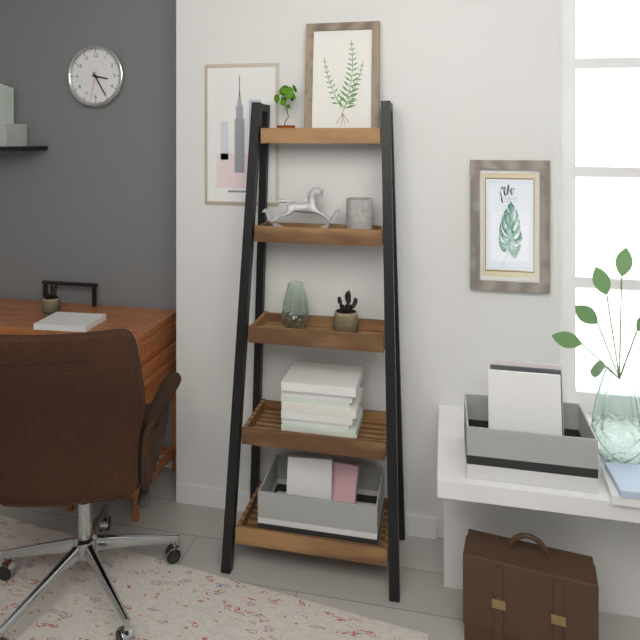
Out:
3 h 25 min
